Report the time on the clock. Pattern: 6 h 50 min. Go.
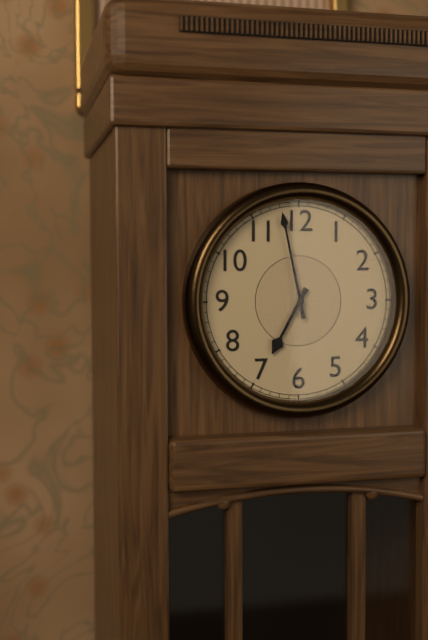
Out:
6 h 58 min
